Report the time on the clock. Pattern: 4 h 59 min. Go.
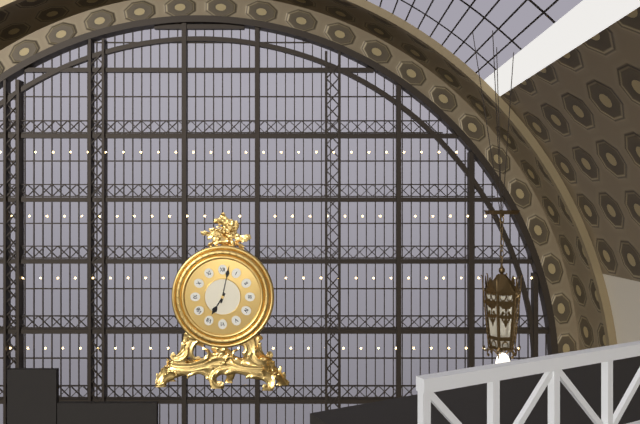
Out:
7 h 02 min
